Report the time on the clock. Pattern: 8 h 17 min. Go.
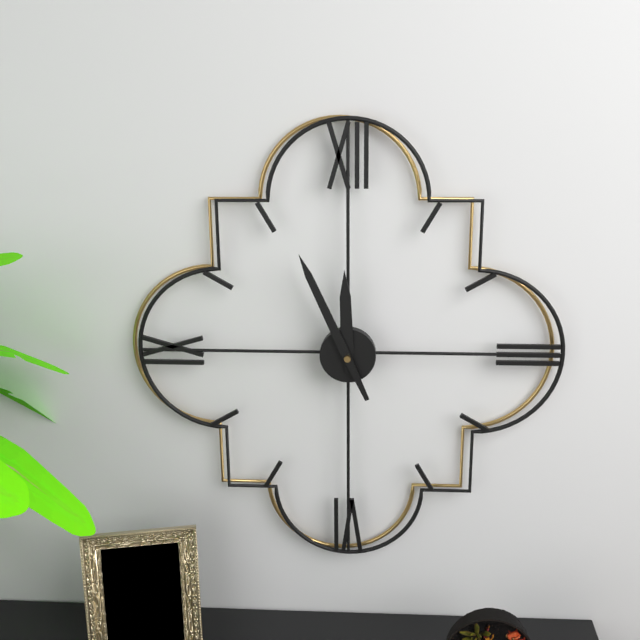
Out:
11 h 56 min
